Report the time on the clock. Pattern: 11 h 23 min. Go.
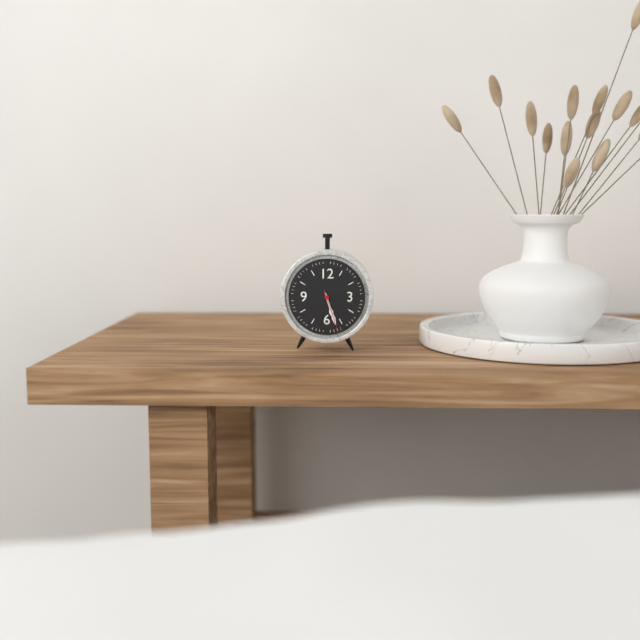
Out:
5 h 27 min
